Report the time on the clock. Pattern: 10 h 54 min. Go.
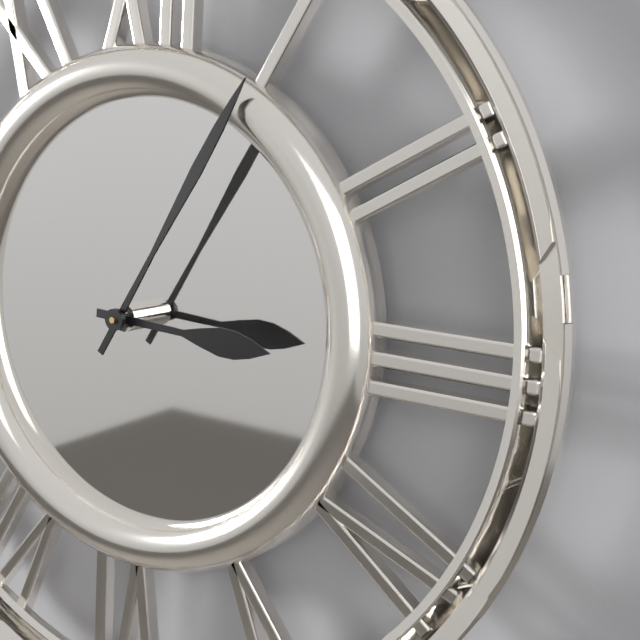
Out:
3 h 05 min
